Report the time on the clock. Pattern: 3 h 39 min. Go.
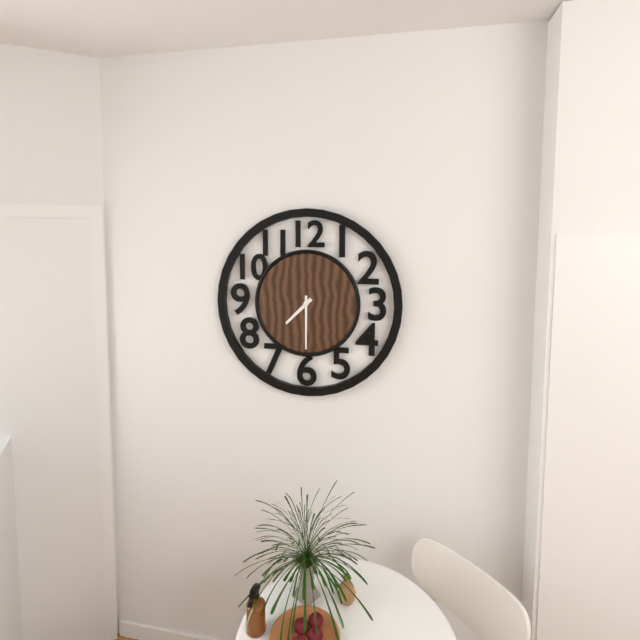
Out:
7 h 30 min
